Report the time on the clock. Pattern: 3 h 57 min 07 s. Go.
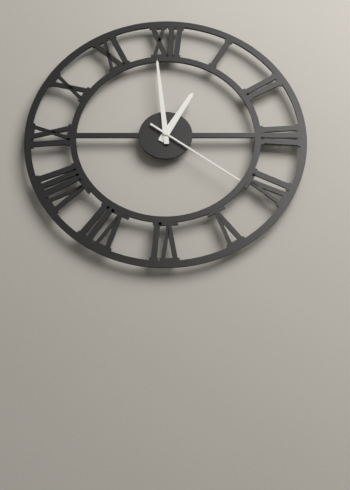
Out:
12 h 59 min 21 s
